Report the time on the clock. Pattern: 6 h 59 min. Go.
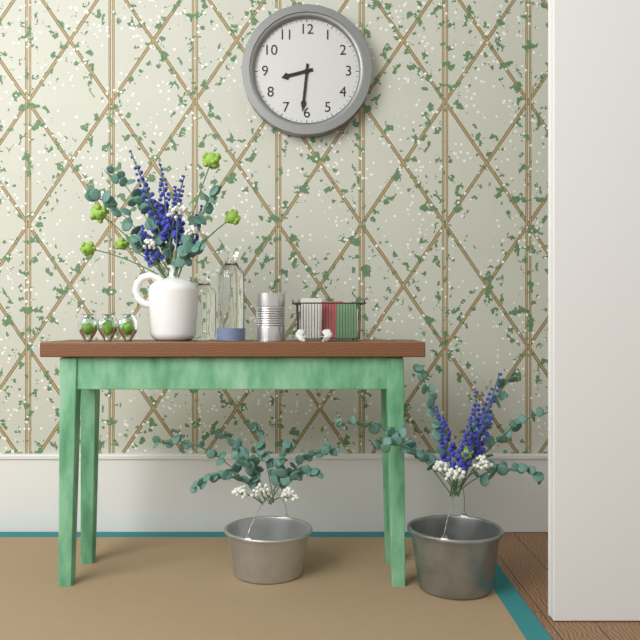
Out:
8 h 31 min
